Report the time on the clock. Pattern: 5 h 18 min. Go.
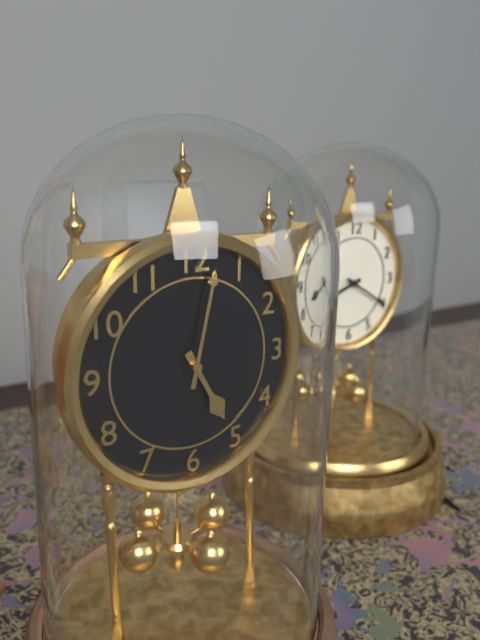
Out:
5 h 02 min
